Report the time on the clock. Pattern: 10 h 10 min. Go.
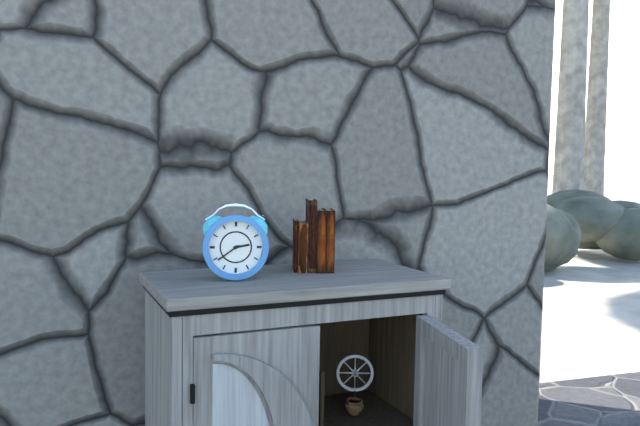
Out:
2 h 39 min
